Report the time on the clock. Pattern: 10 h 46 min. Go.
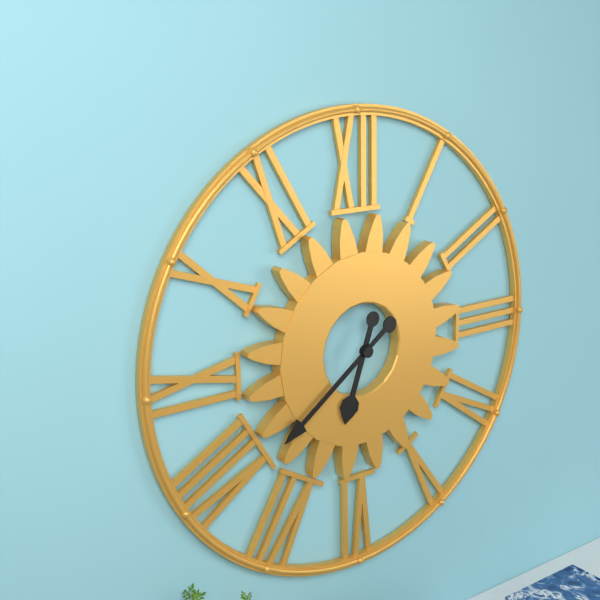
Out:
6 h 39 min
